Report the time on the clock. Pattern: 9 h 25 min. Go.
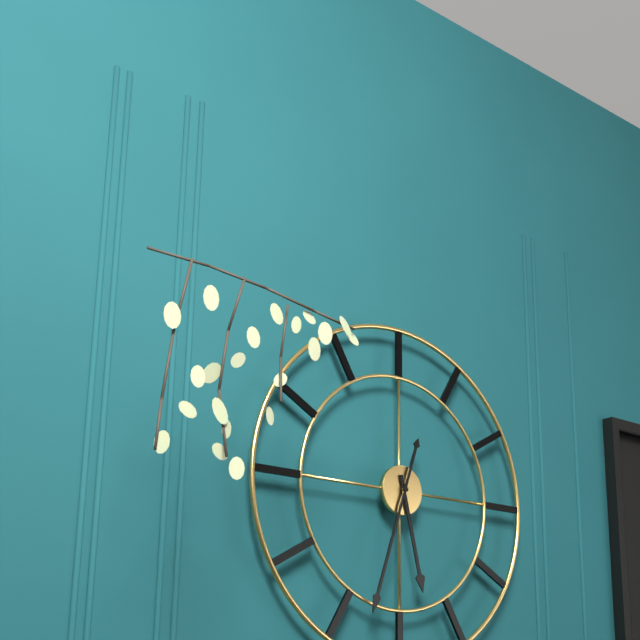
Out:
5 h 33 min
